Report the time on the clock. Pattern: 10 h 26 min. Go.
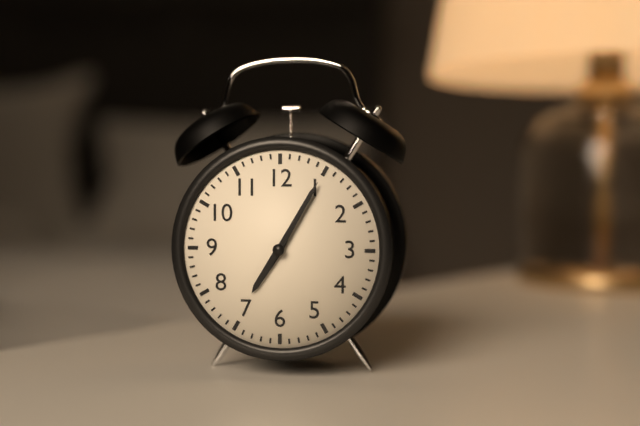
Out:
7 h 05 min
